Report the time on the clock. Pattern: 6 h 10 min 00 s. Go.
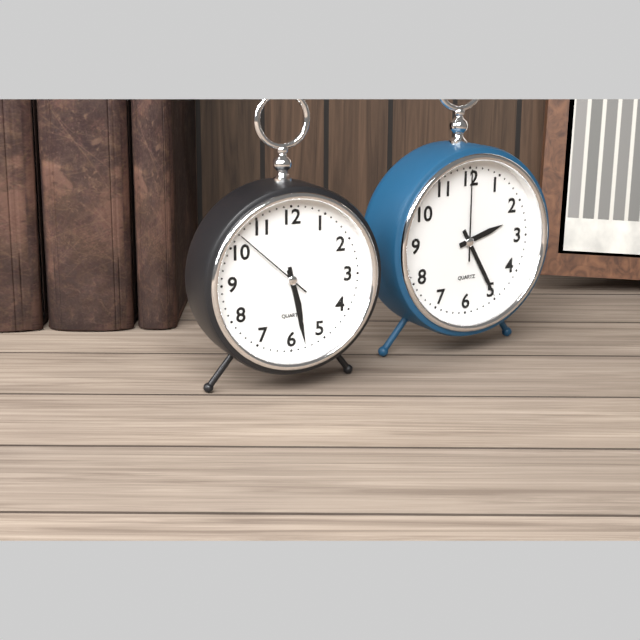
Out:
5 h 28 min 52 s
